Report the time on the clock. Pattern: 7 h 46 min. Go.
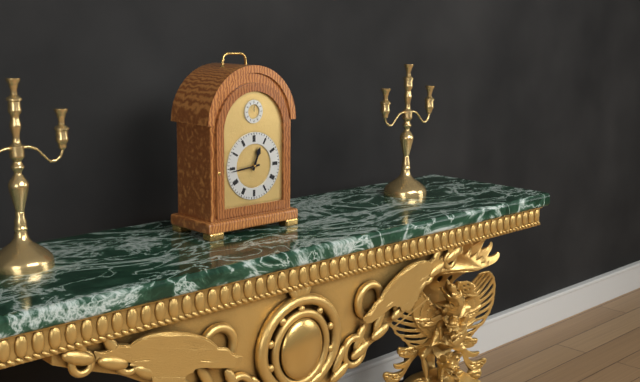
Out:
12 h 44 min
